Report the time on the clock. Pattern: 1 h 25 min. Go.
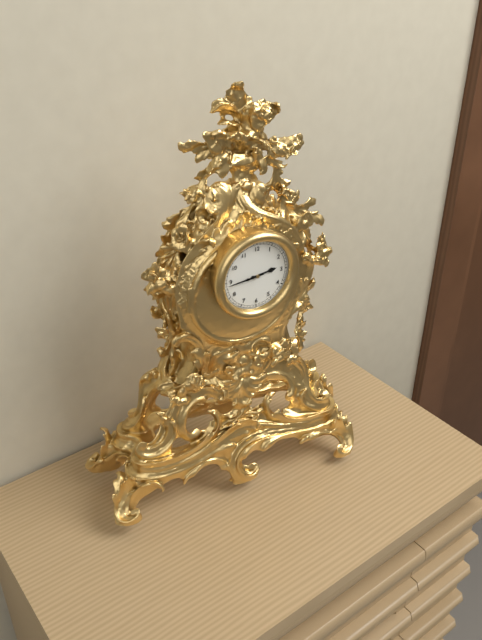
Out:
2 h 44 min
